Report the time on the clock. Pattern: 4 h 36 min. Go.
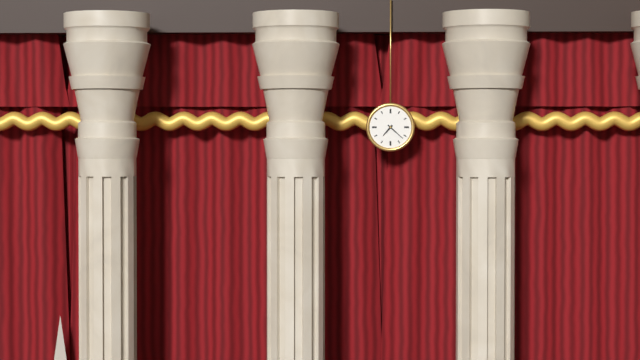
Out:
7 h 22 min
